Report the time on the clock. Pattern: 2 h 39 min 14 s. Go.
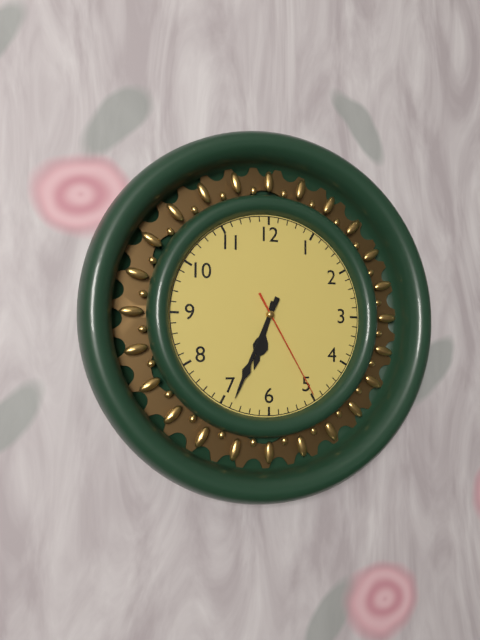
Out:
6 h 34 min 25 s
